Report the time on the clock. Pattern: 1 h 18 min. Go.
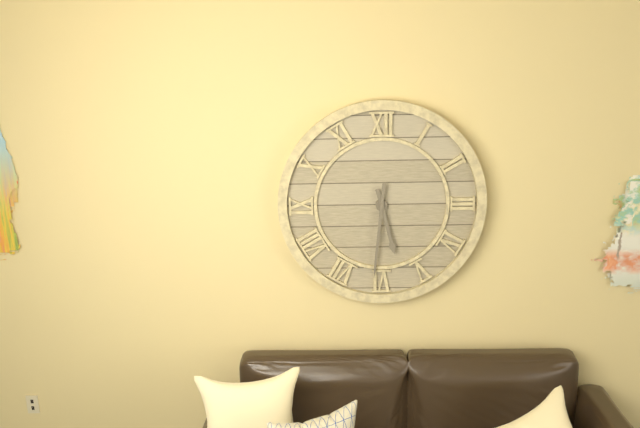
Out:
5 h 31 min
